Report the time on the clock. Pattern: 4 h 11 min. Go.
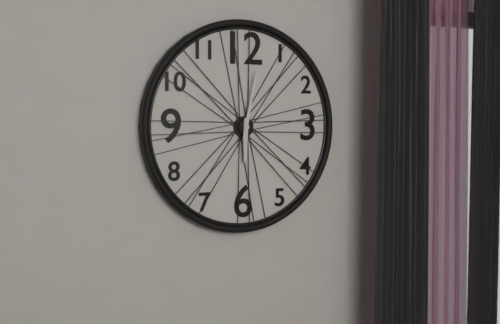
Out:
6 h 02 min
